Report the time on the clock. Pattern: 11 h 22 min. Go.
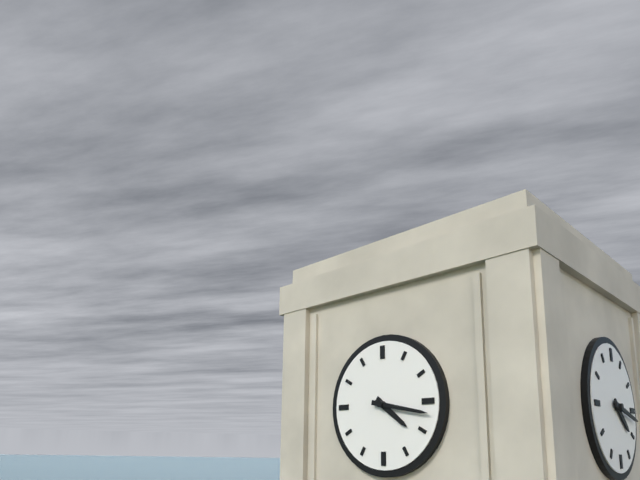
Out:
4 h 17 min
